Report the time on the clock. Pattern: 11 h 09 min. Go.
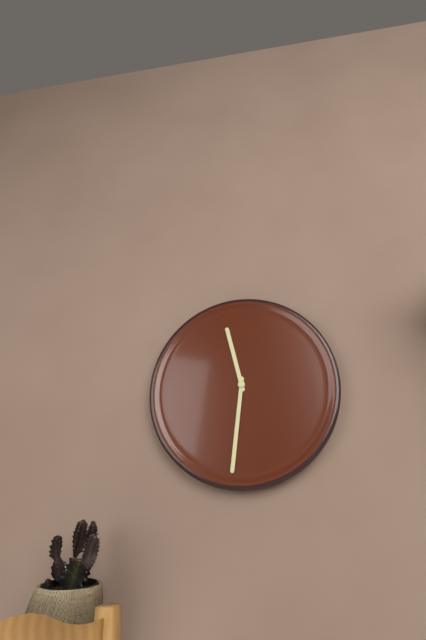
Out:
11 h 31 min
